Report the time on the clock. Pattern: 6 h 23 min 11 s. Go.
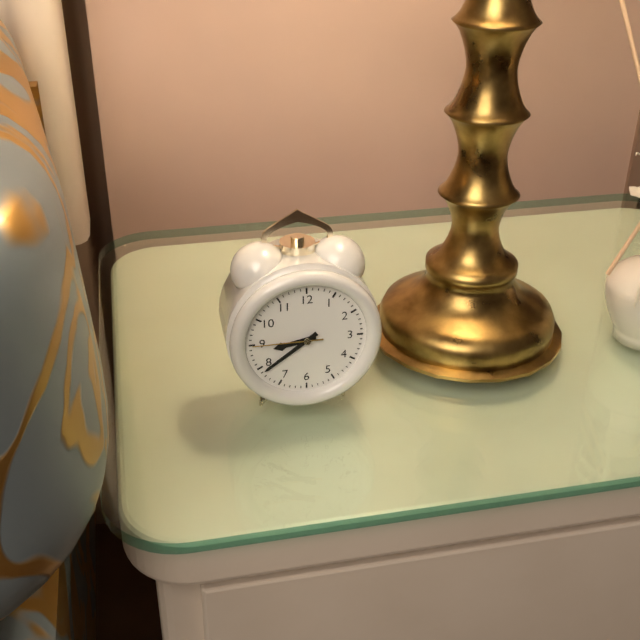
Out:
8 h 39 min 45 s
